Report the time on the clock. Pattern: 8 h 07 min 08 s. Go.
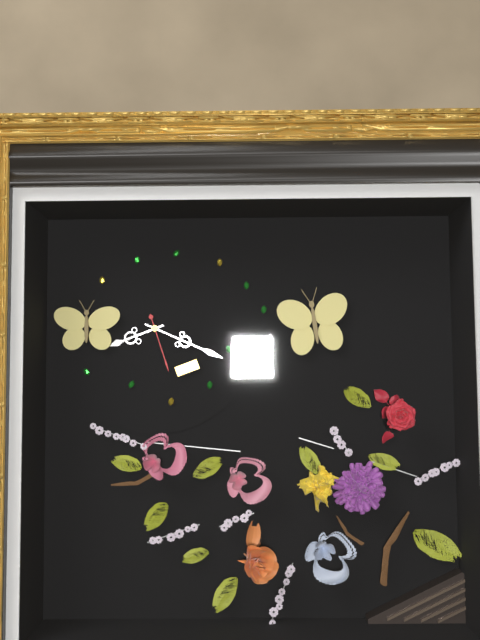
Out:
8 h 19 min 27 s
